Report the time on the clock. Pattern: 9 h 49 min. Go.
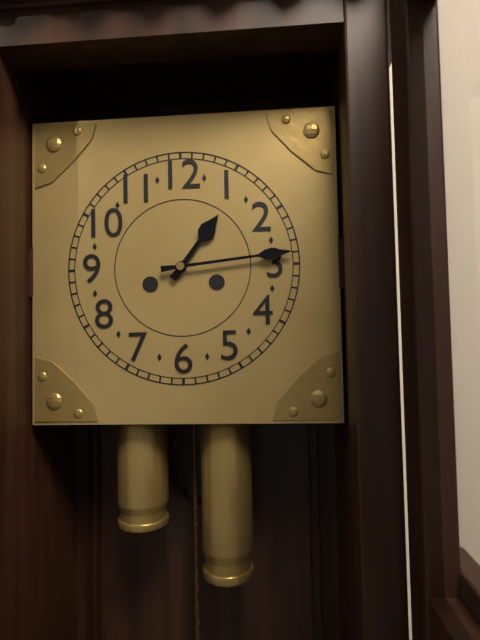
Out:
1 h 14 min
